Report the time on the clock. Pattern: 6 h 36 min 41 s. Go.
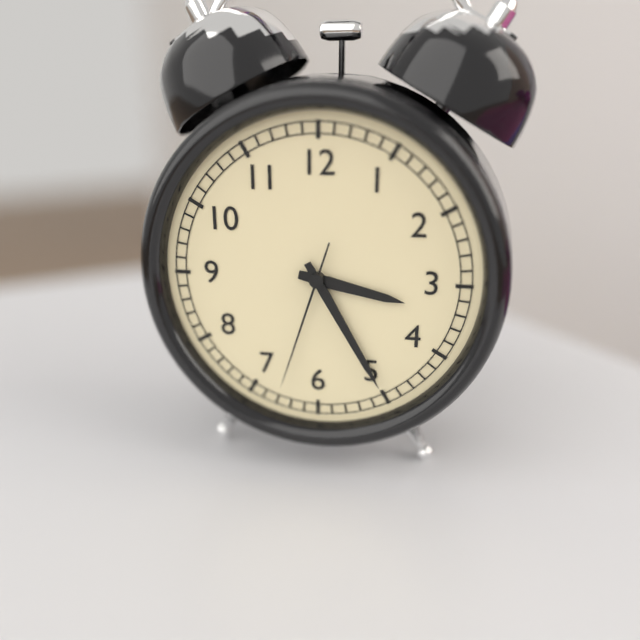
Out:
3 h 25 min 33 s
